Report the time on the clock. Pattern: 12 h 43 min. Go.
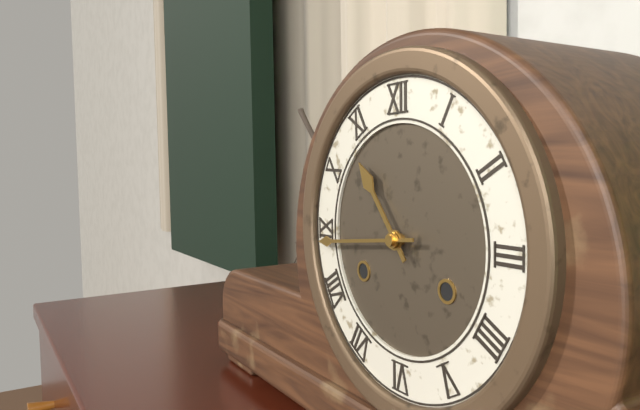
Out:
10 h 44 min
